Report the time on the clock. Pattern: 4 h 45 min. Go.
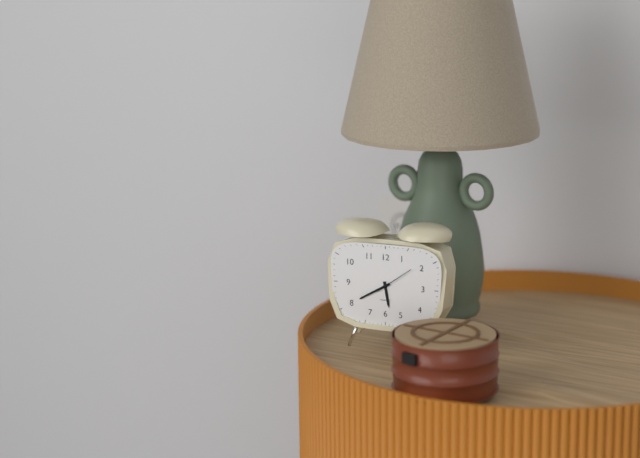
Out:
5 h 40 min
